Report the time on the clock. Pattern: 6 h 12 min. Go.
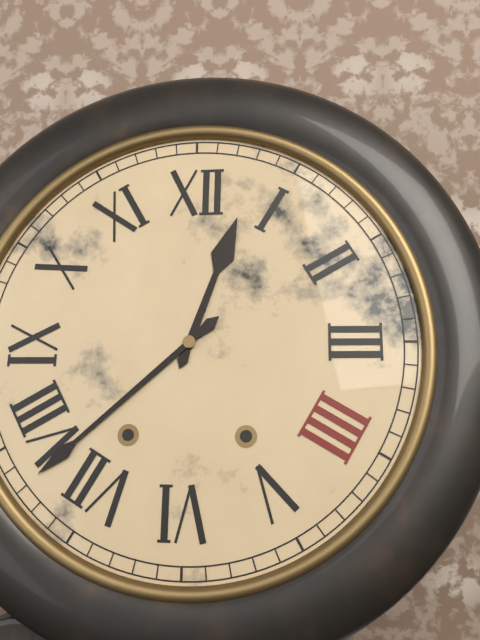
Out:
12 h 38 min
